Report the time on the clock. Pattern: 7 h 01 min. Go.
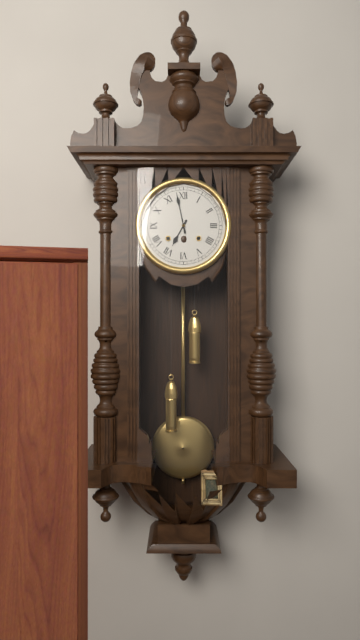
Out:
6 h 58 min
